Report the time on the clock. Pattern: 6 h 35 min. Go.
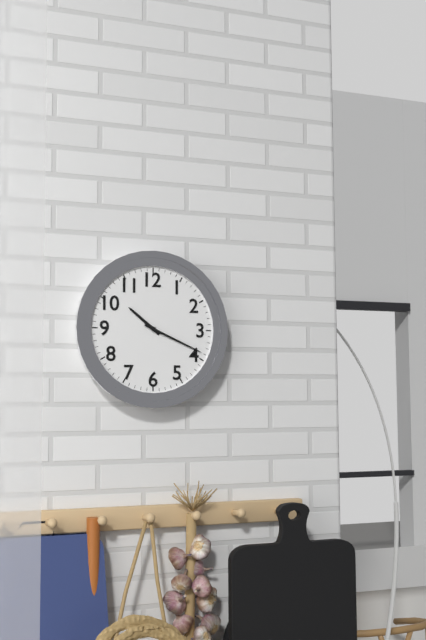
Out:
10 h 19 min
